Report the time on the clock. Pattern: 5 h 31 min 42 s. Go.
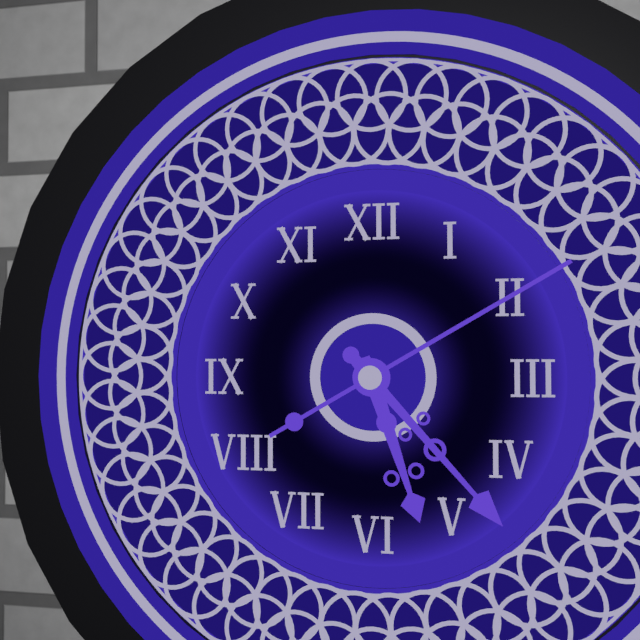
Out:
5 h 23 min 10 s
